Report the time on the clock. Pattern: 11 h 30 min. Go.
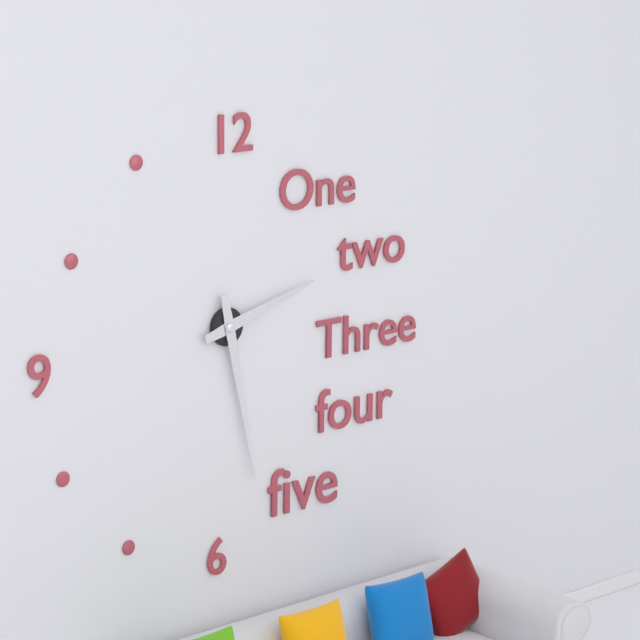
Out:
2 h 28 min
